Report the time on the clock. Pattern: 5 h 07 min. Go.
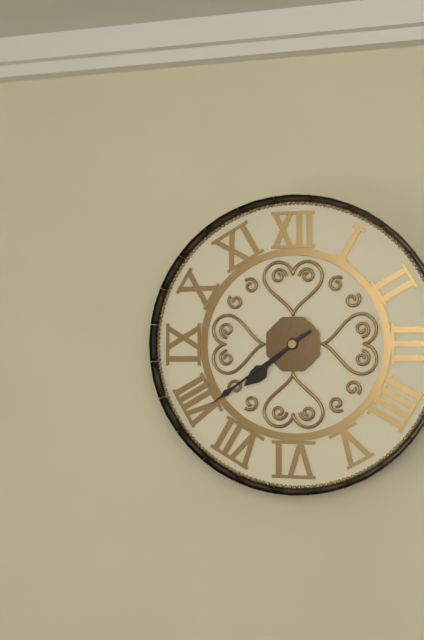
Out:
7 h 39 min
